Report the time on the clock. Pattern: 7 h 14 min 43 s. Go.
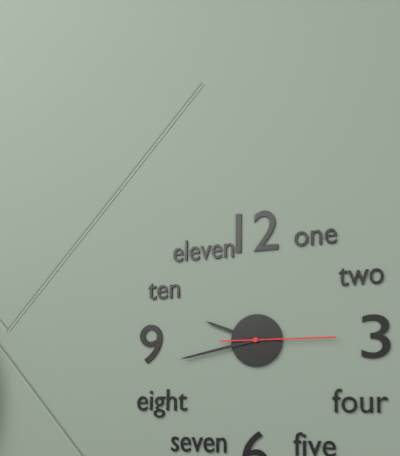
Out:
9 h 43 min 15 s
